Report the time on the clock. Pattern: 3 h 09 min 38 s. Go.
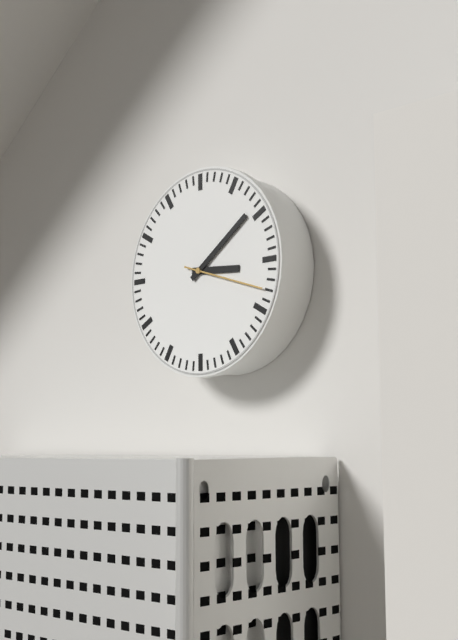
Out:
3 h 09 min 18 s
